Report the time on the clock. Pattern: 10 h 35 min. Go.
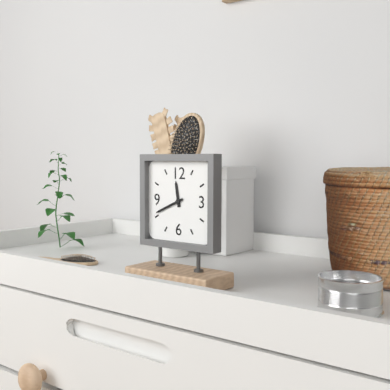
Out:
11 h 41 min
